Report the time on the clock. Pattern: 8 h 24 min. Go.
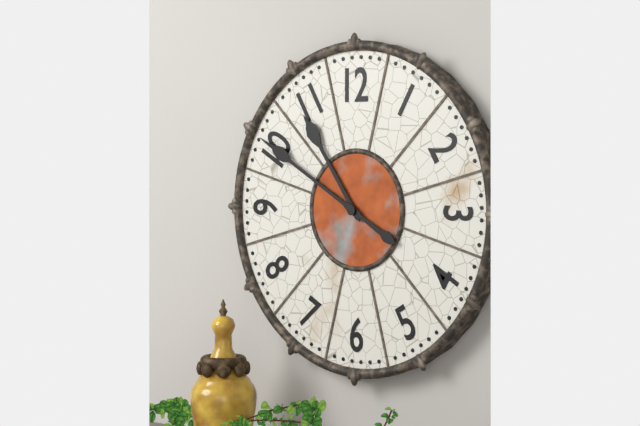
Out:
10 h 50 min
